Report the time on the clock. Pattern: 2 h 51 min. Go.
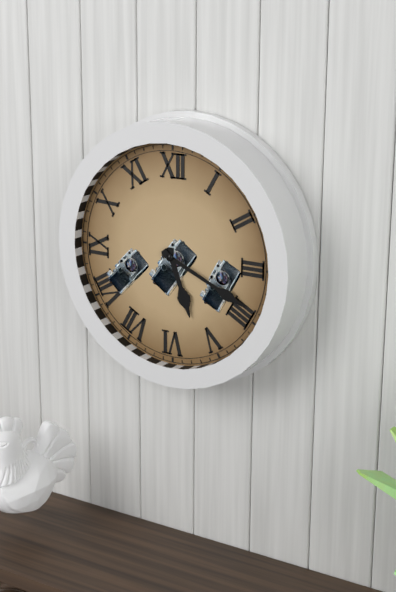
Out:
5 h 19 min
